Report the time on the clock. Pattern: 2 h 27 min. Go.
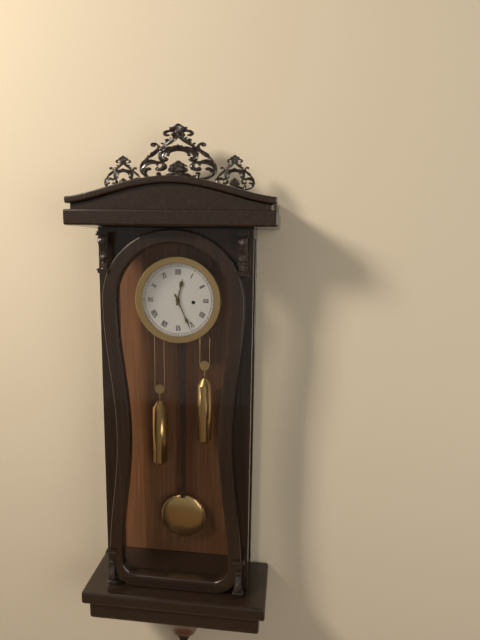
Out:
12 h 26 min
